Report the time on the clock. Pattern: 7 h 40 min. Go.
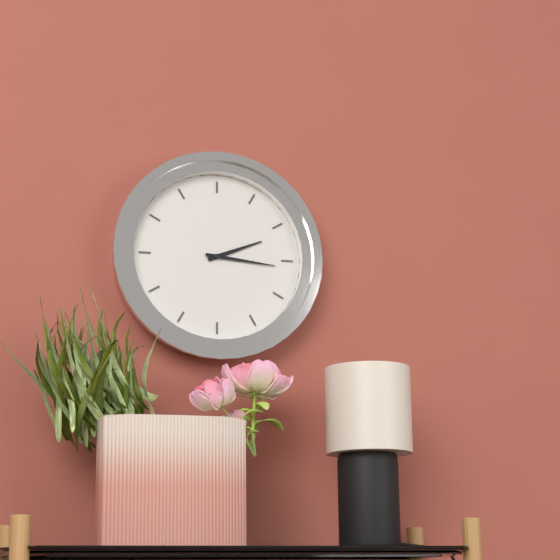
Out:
2 h 16 min
